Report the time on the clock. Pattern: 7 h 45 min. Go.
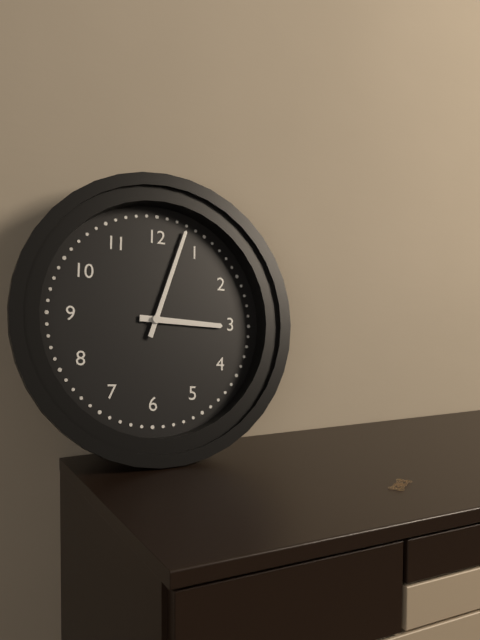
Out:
3 h 03 min
